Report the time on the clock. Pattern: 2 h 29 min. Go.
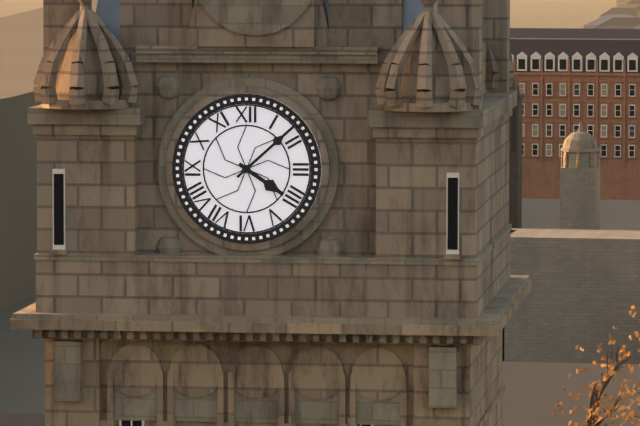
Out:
4 h 08 min
